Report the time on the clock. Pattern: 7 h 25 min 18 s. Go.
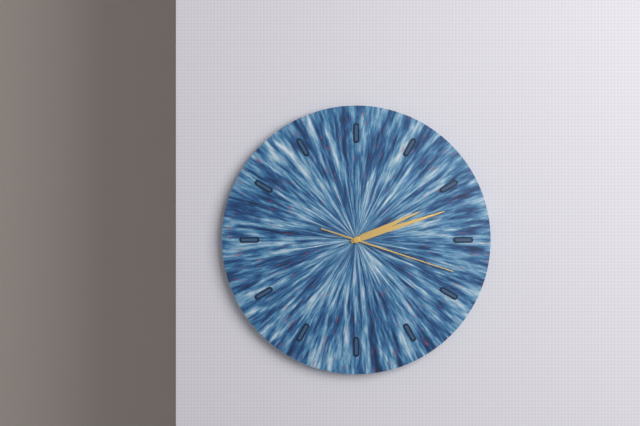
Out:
2 h 12 min 18 s
